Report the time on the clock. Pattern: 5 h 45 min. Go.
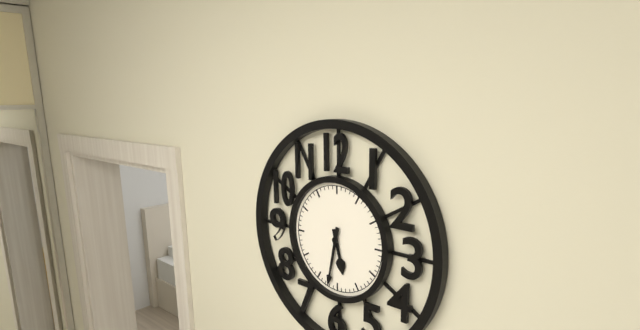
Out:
5 h 32 min
